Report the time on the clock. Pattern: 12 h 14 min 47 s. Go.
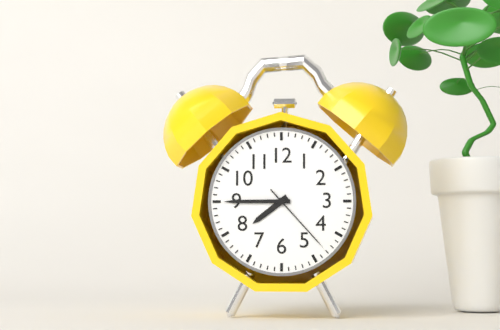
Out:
7 h 45 min 23 s
